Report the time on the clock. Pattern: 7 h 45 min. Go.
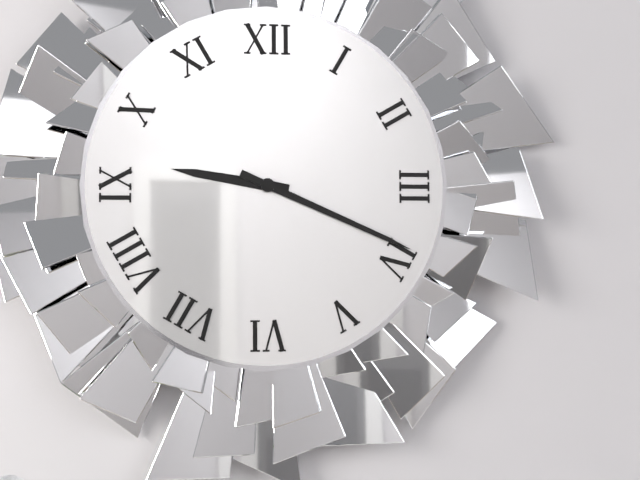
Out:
9 h 19 min
